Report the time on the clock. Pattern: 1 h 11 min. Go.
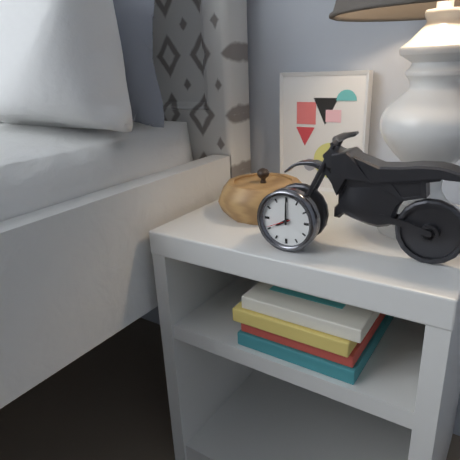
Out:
8 h 00 min
